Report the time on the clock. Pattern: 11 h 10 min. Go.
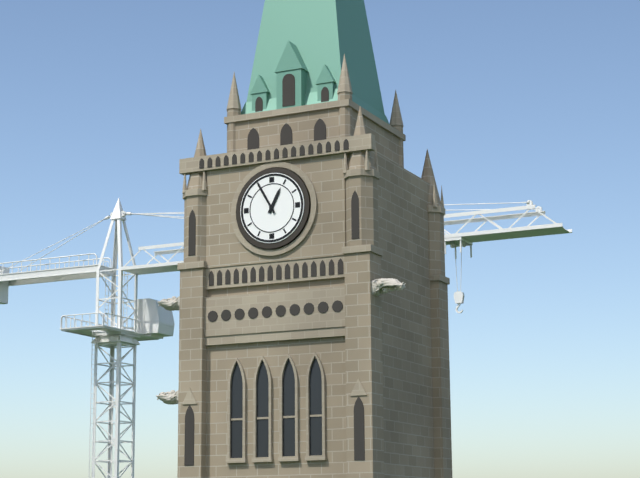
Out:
12 h 55 min
